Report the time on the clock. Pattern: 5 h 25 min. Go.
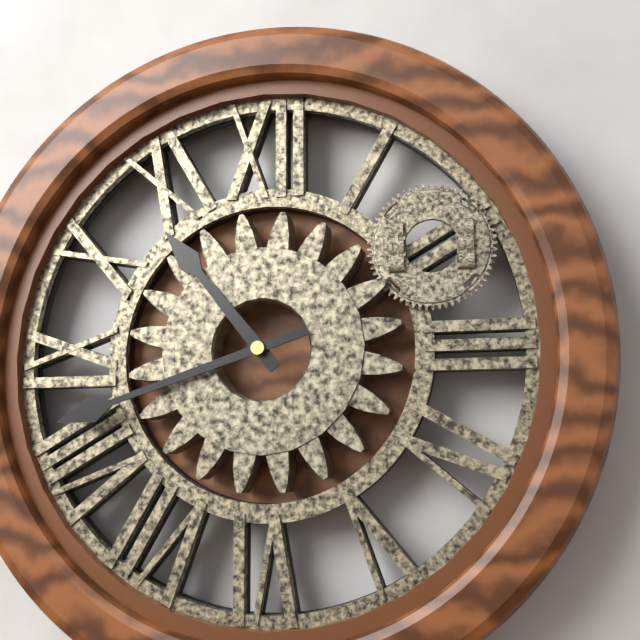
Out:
10 h 42 min
